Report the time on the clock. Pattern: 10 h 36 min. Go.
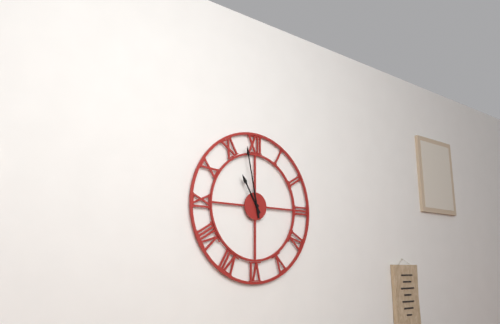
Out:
10 h 58 min
